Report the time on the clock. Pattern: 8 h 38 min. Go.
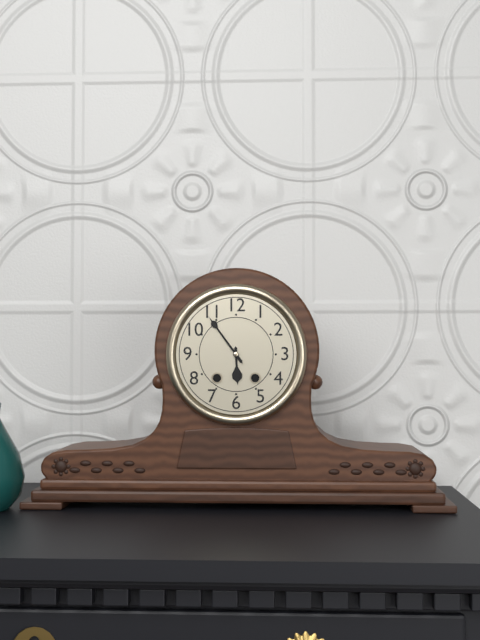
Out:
5 h 54 min
